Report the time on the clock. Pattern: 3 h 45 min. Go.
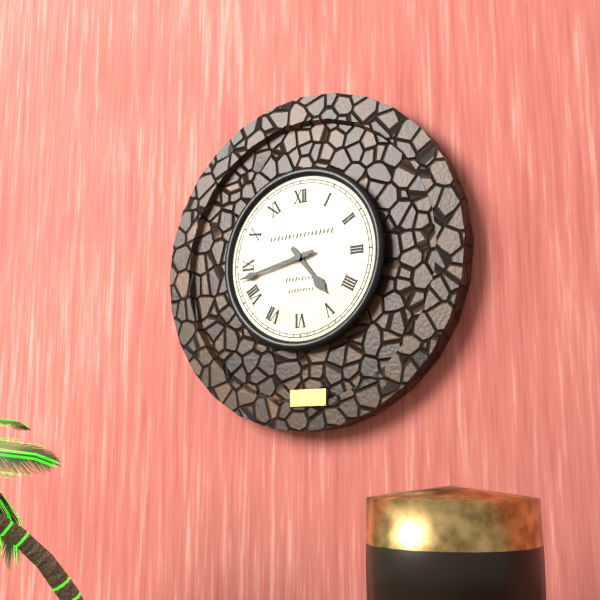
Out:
4 h 43 min
